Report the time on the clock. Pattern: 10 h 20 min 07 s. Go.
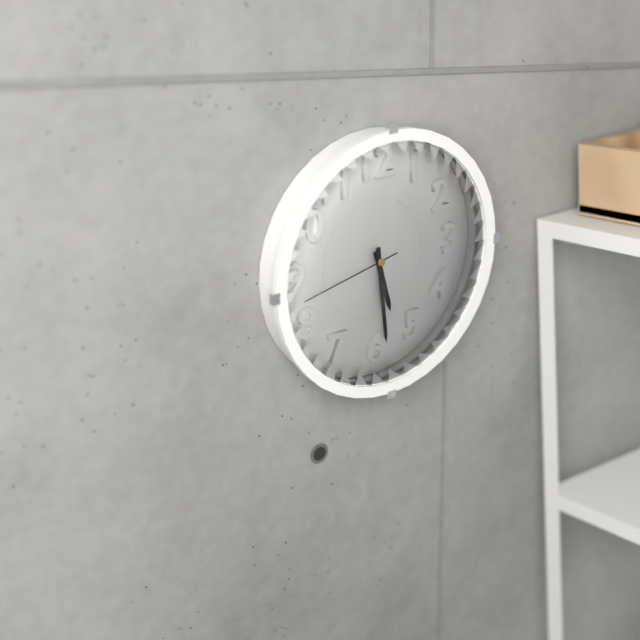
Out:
5 h 29 min 43 s
